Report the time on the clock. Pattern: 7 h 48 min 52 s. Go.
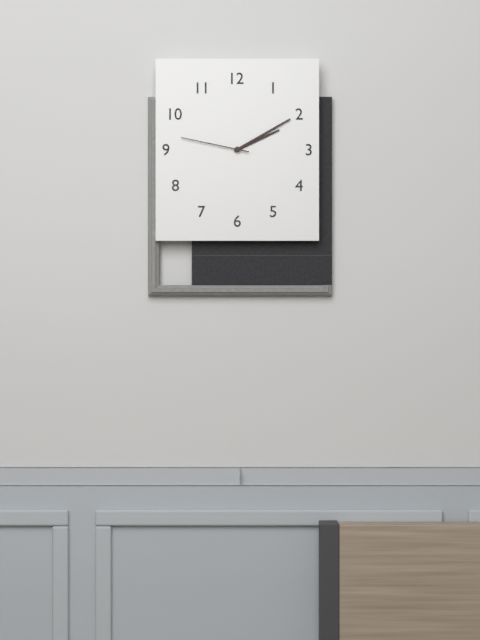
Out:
2 h 10 min 47 s
